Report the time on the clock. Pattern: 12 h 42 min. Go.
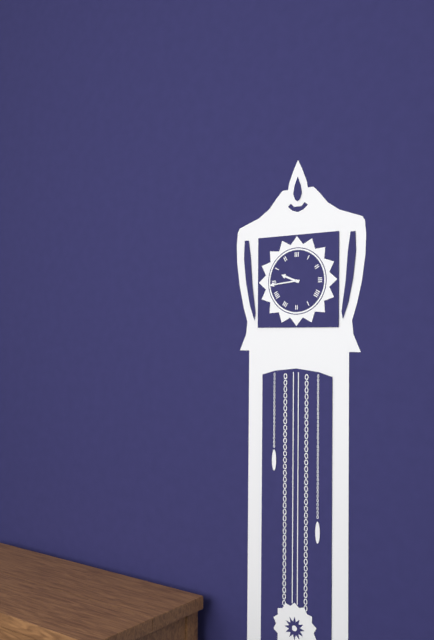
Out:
9 h 44 min
